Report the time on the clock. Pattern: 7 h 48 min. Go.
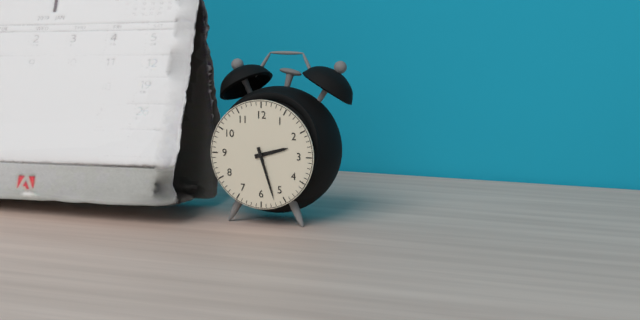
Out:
2 h 27 min
